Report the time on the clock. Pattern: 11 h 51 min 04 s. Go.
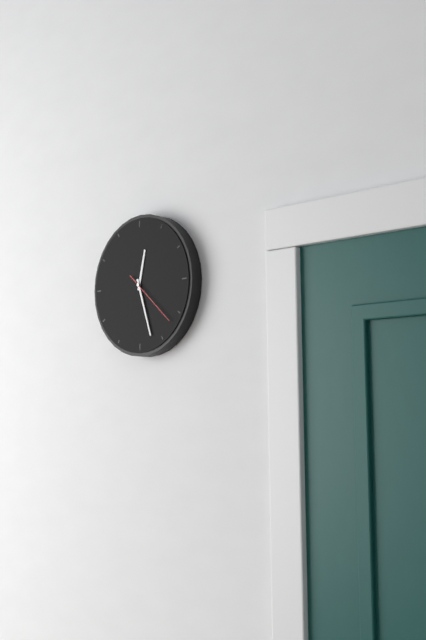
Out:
12 h 27 min 22 s
